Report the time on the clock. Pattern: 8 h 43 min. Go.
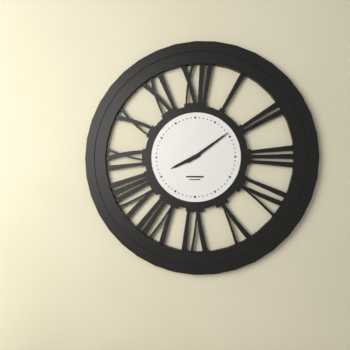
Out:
8 h 09 min
